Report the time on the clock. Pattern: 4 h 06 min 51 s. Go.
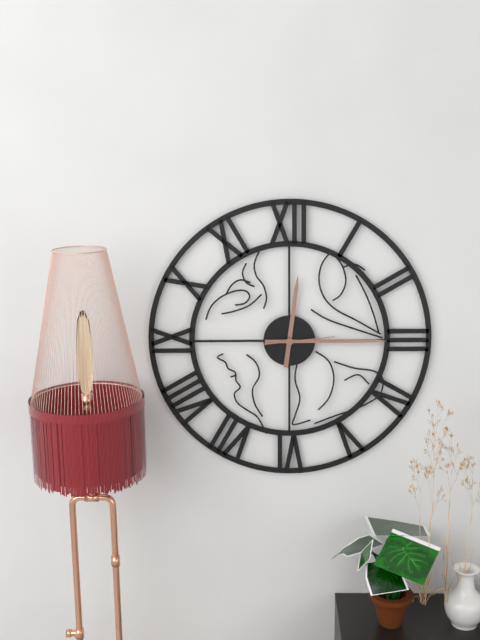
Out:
12 h 15 min 14 s
